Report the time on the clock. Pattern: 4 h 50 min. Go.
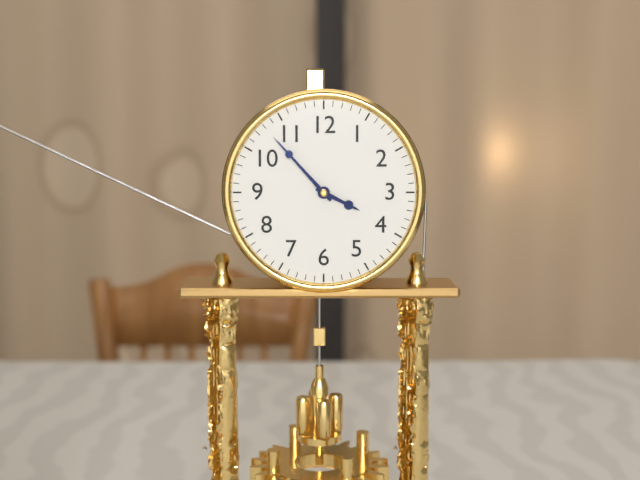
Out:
3 h 53 min
